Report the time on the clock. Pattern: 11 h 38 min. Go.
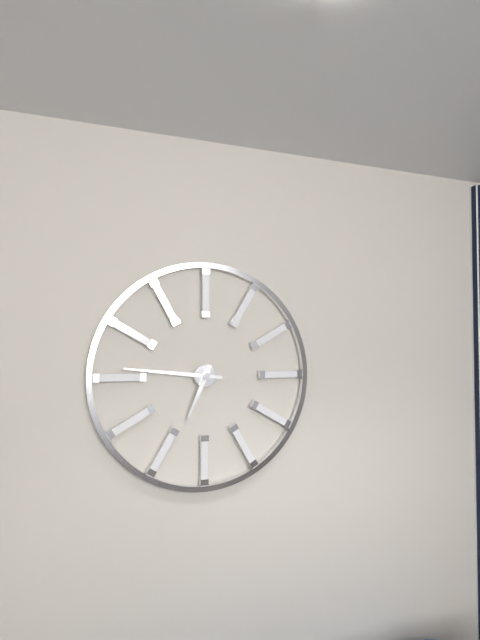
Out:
6 h 46 min
